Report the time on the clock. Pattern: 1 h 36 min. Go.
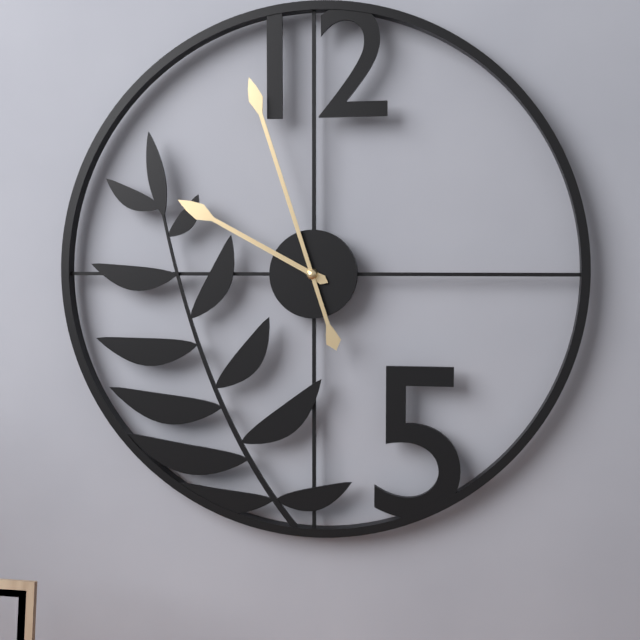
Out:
9 h 57 min
